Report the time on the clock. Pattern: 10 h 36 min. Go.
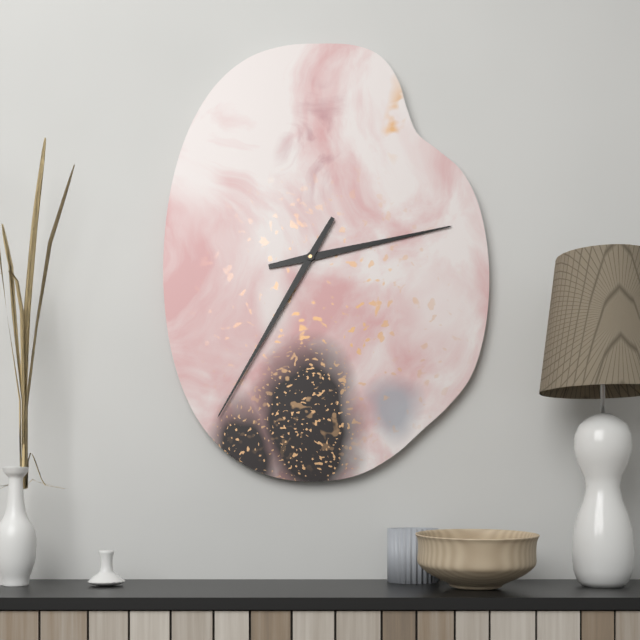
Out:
2 h 35 min
